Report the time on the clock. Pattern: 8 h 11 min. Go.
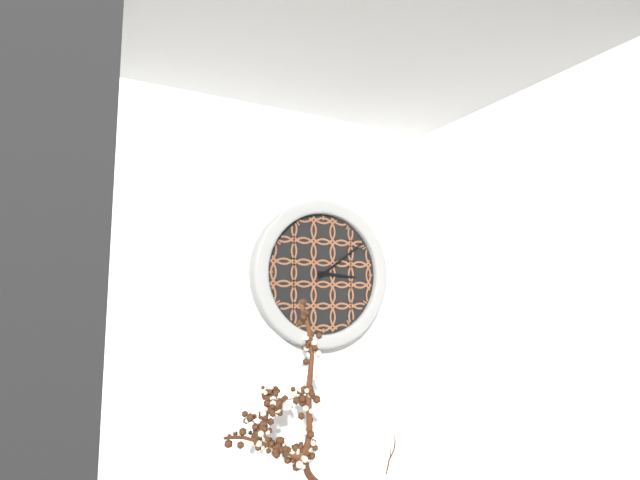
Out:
3 h 09 min
